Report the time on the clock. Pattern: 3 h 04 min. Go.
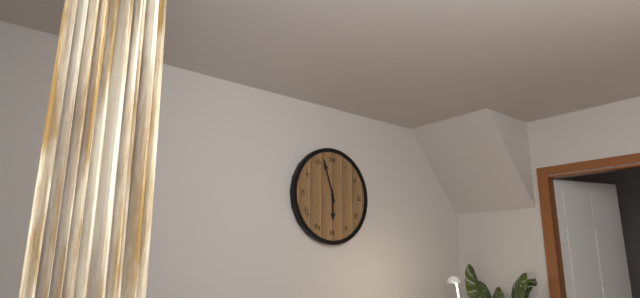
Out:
5 h 57 min
